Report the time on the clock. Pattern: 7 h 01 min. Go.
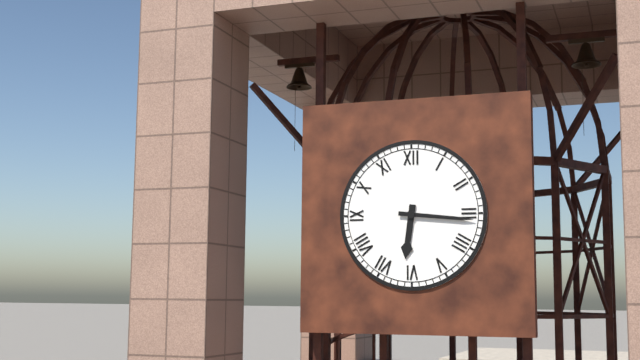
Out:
6 h 16 min
